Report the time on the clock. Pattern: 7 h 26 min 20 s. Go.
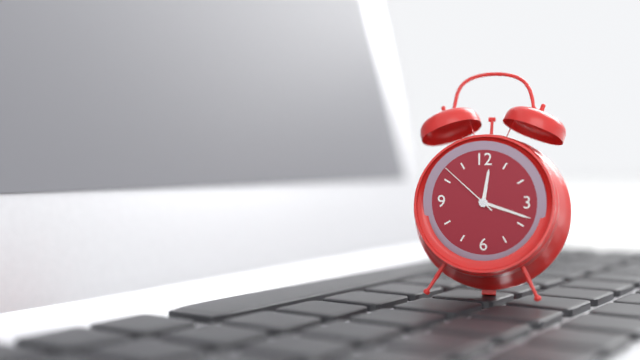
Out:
12 h 18 min 52 s
